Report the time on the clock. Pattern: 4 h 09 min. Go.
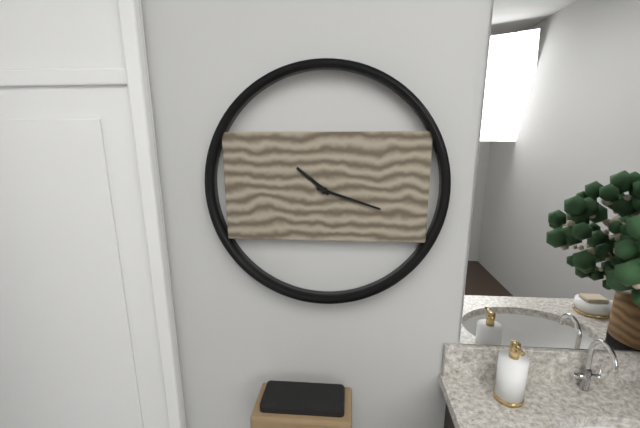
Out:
10 h 18 min
